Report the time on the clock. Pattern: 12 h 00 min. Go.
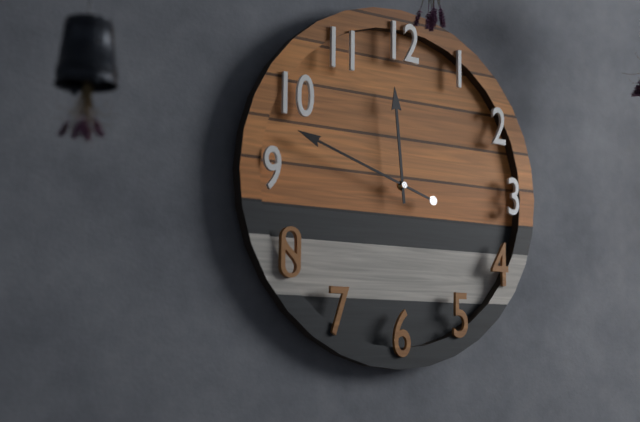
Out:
11 h 48 min
